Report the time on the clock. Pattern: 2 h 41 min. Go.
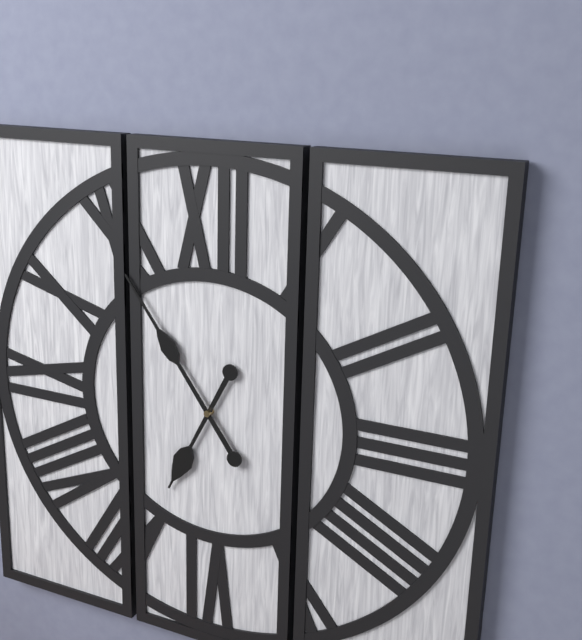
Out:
6 h 54 min
